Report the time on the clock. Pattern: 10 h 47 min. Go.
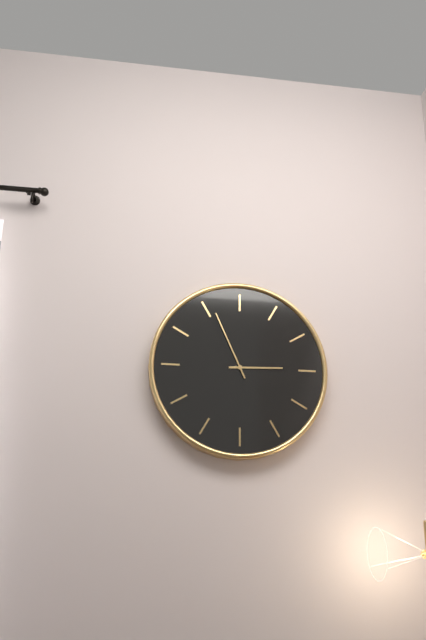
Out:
2 h 56 min
